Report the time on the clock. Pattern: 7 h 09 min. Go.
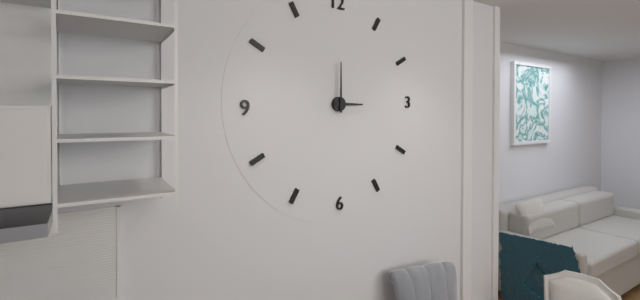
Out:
3 h 00 min
